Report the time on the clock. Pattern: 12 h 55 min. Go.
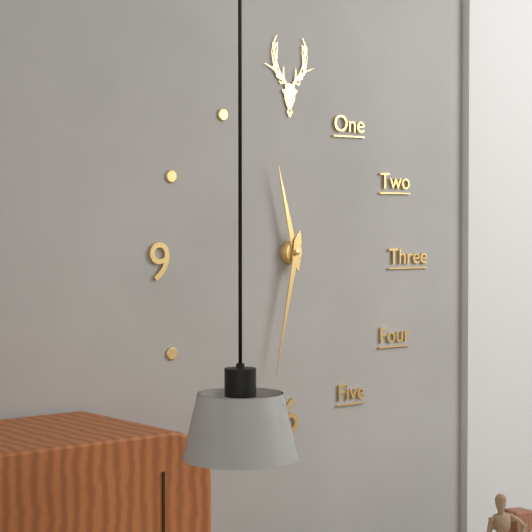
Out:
11 h 32 min
